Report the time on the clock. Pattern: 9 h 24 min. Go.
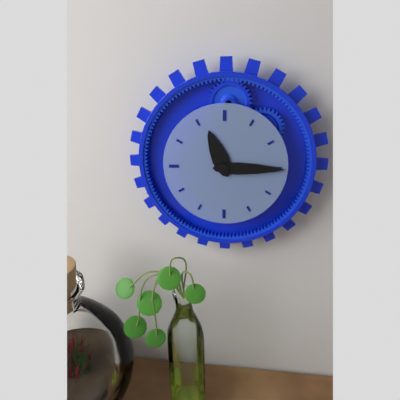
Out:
11 h 15 min
